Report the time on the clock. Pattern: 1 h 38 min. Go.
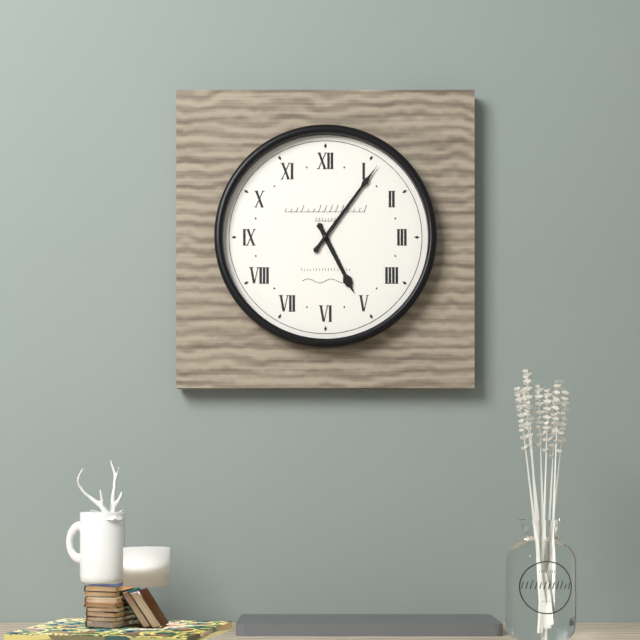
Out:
5 h 06 min
